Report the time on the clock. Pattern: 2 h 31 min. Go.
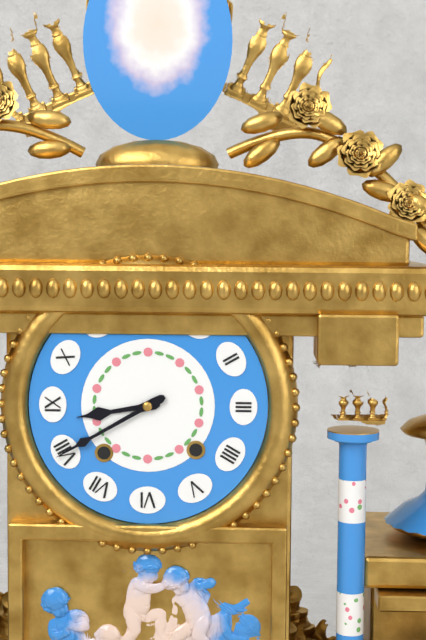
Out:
8 h 40 min
